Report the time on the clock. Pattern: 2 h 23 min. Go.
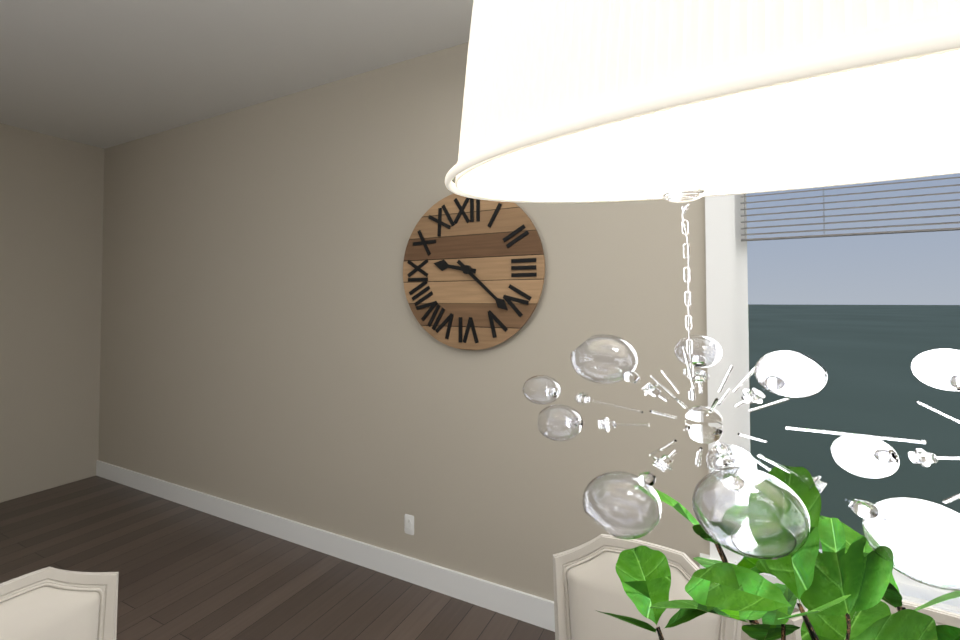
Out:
9 h 22 min
